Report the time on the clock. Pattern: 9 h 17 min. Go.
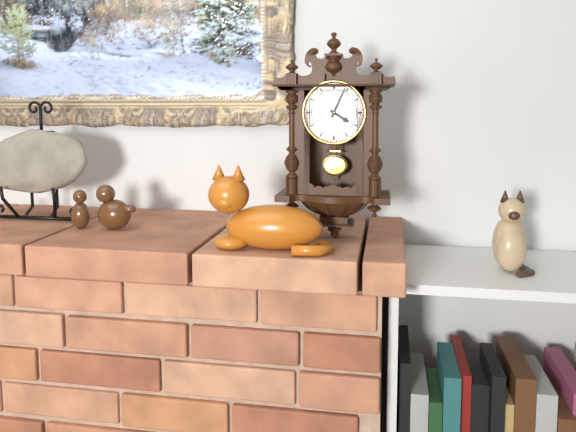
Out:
4 h 04 min
